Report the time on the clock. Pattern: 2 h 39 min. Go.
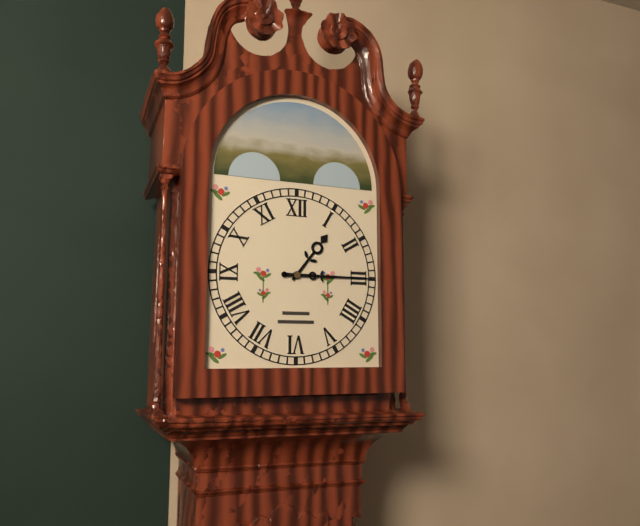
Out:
1 h 15 min
